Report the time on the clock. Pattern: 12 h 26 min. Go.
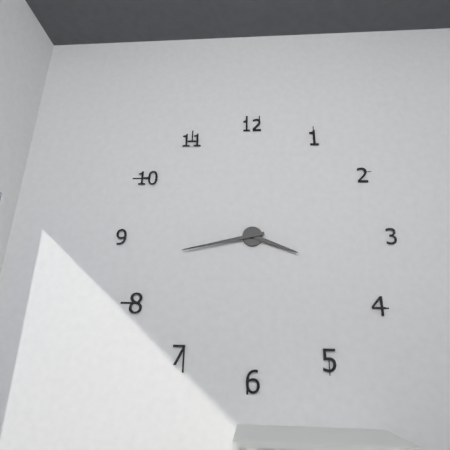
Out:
3 h 43 min
